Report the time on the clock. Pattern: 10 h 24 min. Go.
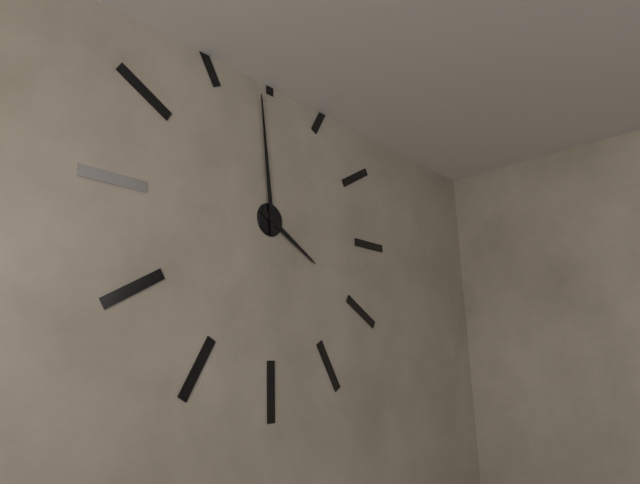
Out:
3 h 59 min
